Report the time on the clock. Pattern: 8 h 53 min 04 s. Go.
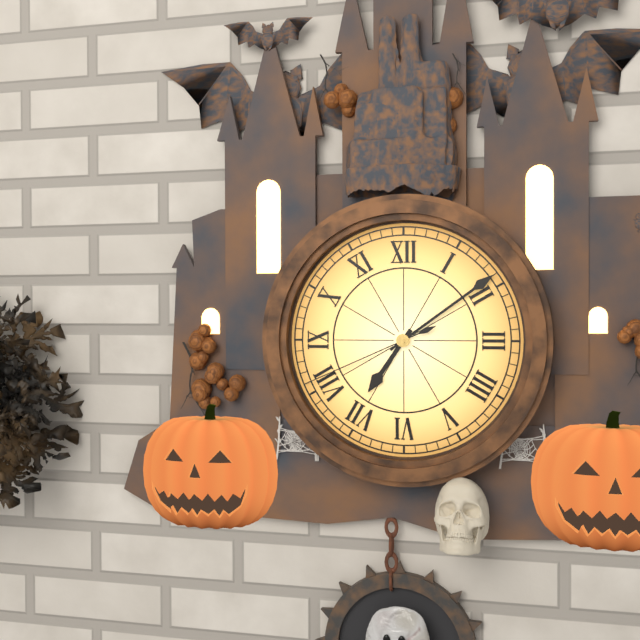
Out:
7 h 09 min 41 s
